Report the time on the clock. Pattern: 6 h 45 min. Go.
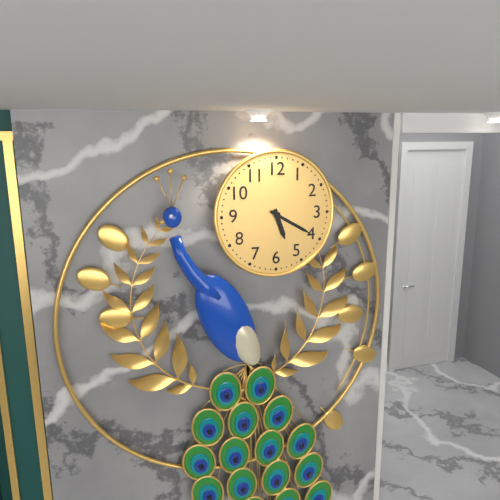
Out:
5 h 20 min
